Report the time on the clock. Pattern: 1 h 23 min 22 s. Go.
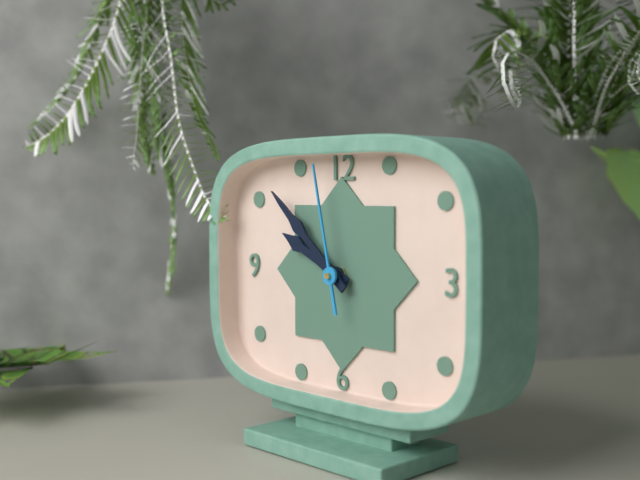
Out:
9 h 52 min 58 s
